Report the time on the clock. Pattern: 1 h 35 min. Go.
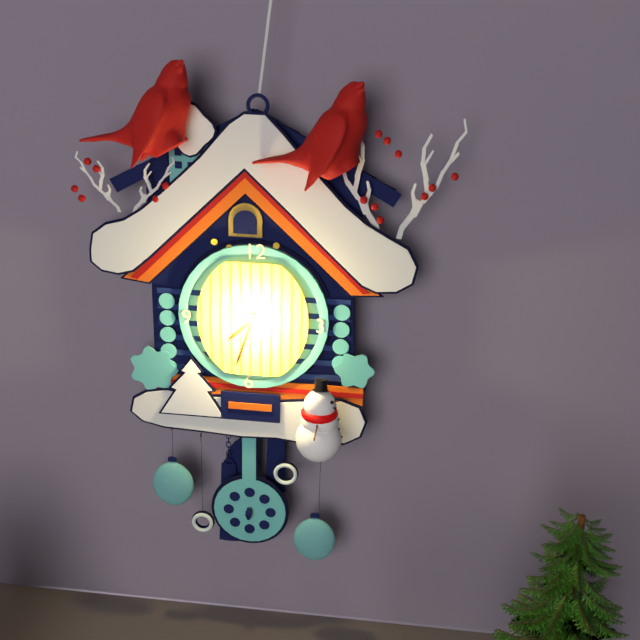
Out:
7 h 33 min
